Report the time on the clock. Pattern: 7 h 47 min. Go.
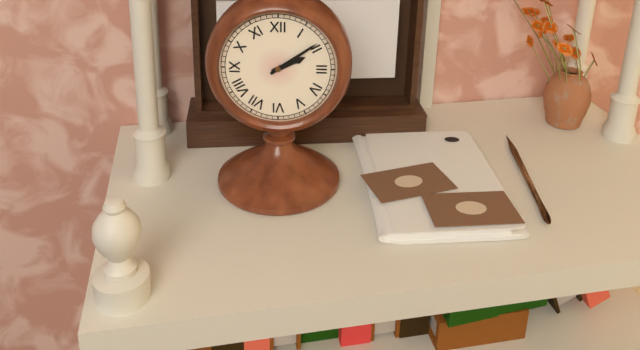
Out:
2 h 09 min
